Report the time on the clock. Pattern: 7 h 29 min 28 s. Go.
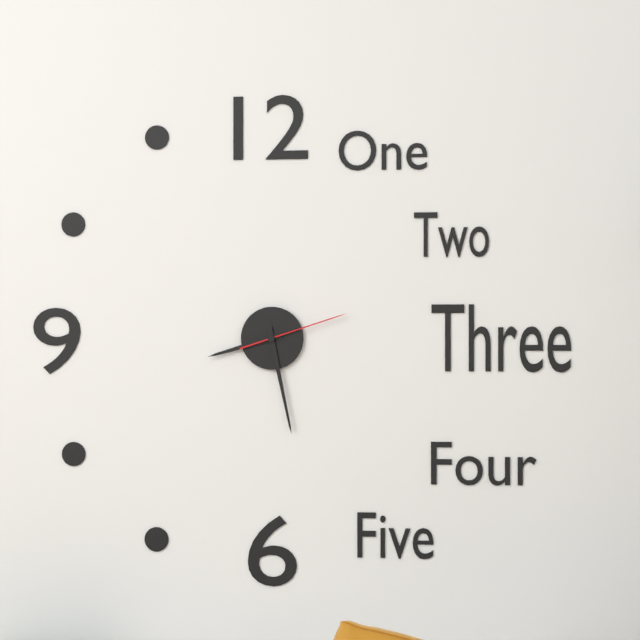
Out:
8 h 28 min 12 s
